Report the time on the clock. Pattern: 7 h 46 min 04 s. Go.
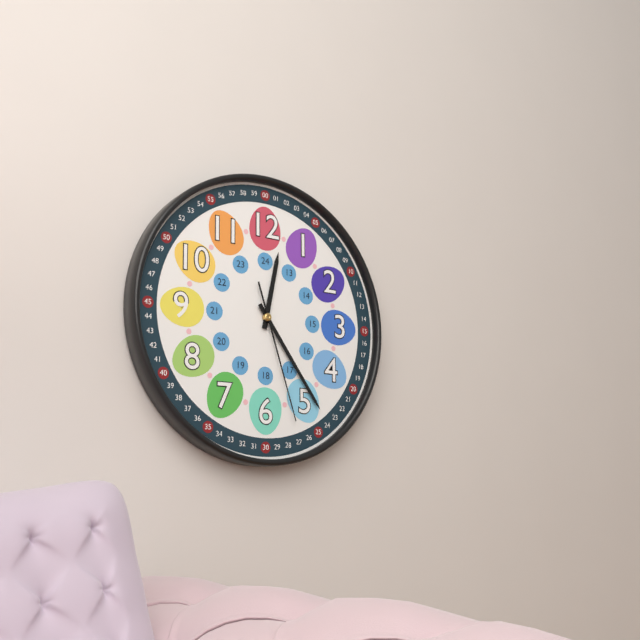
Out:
12 h 24 min 27 s
